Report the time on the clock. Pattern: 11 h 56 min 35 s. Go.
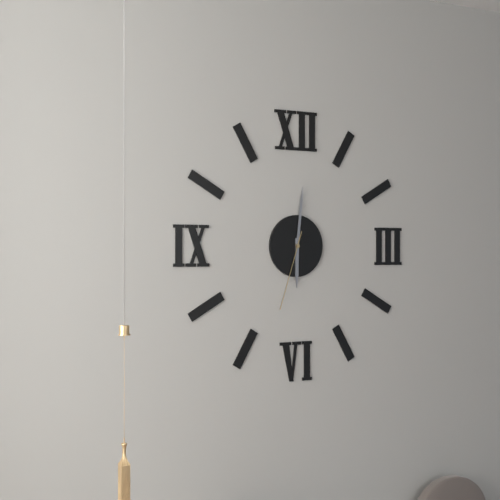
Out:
6 h 01 min 33 s
